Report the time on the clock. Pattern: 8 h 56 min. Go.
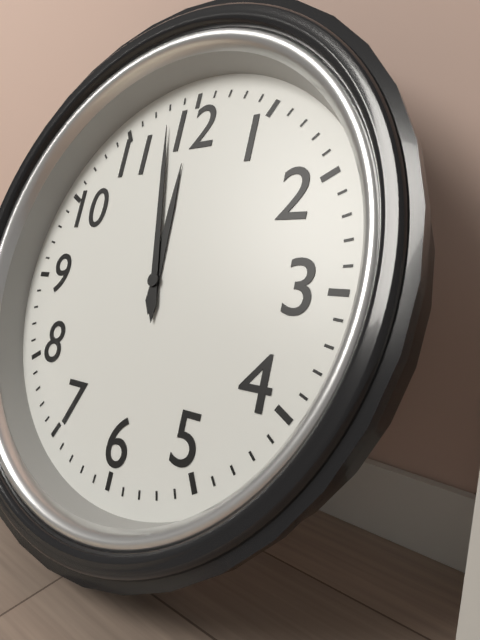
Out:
11 h 58 min
